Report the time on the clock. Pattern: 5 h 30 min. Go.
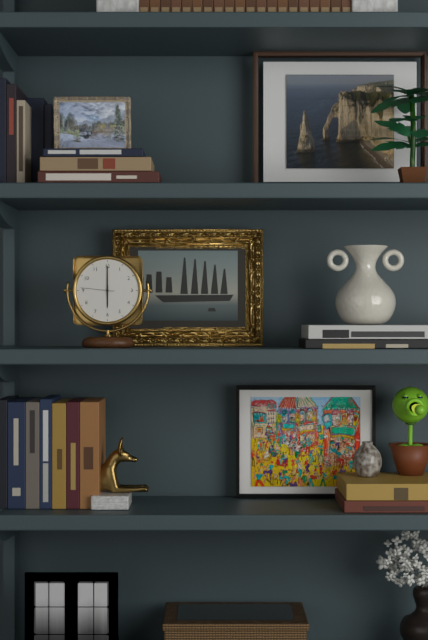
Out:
6 h 00 min
